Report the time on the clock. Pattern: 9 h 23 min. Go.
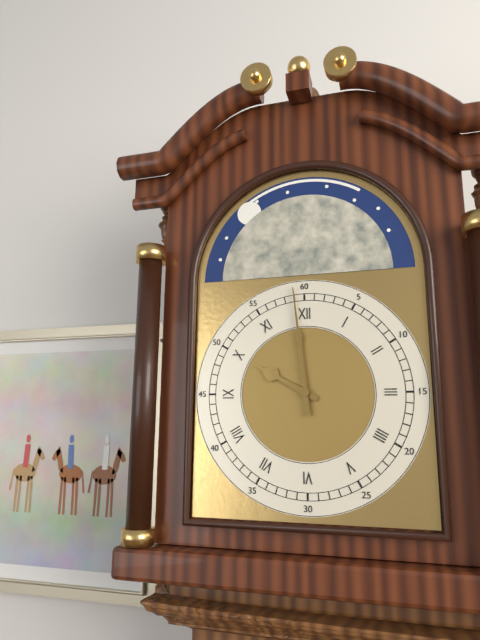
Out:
9 h 59 min
